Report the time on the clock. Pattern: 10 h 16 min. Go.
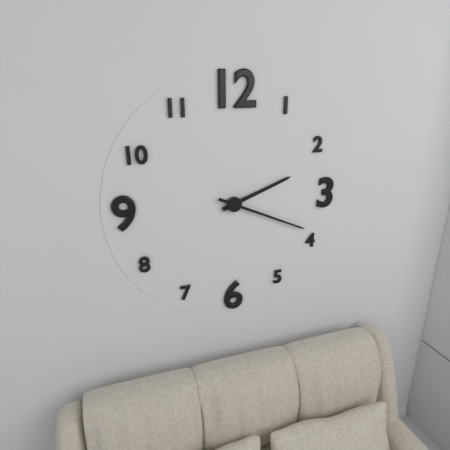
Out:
2 h 19 min
